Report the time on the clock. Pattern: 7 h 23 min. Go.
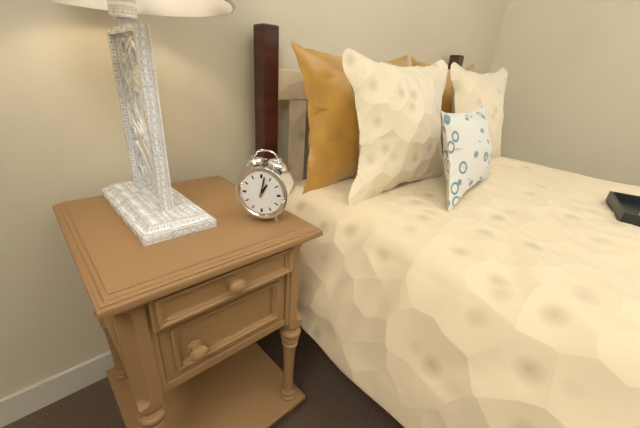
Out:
1 h 02 min
